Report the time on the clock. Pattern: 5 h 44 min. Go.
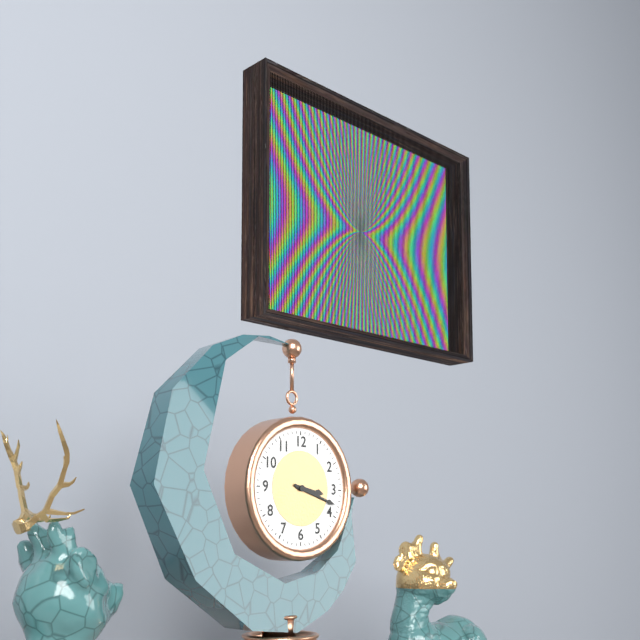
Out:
3 h 18 min
